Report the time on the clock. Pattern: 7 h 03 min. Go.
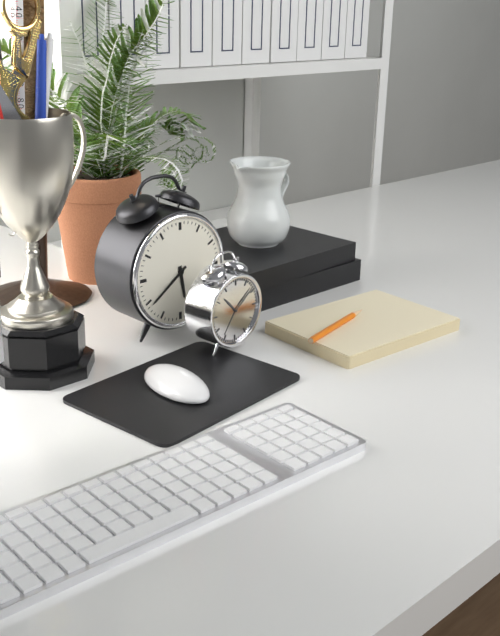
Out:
5 h 39 min
